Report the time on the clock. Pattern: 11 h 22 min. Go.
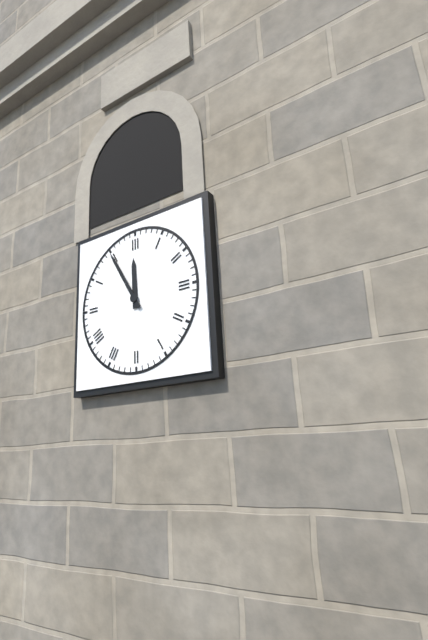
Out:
11 h 55 min
